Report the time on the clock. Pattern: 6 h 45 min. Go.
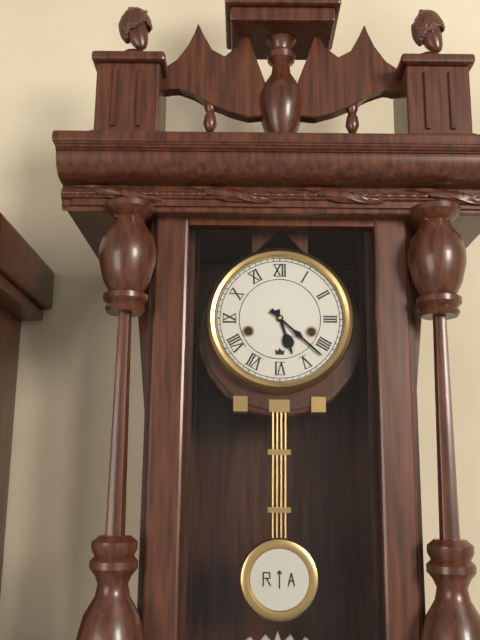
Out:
5 h 22 min
